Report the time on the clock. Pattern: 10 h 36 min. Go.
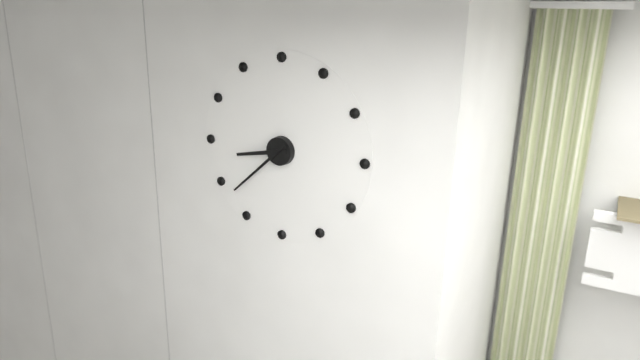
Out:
8 h 38 min
